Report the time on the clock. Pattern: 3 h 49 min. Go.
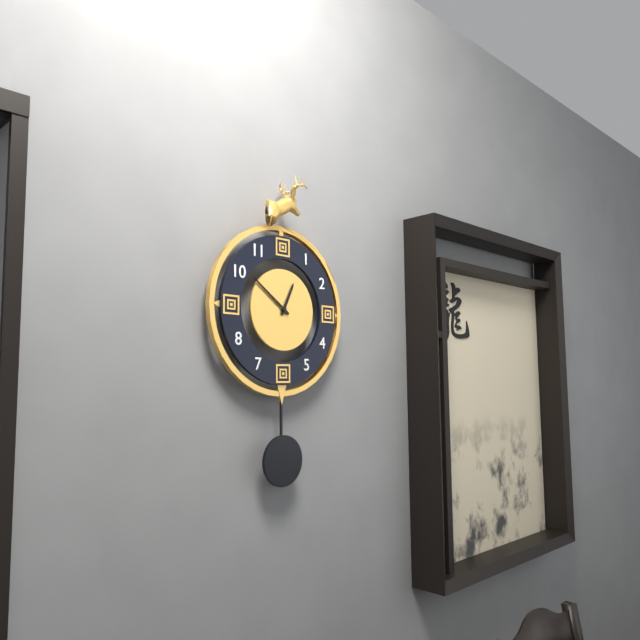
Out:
12 h 51 min
